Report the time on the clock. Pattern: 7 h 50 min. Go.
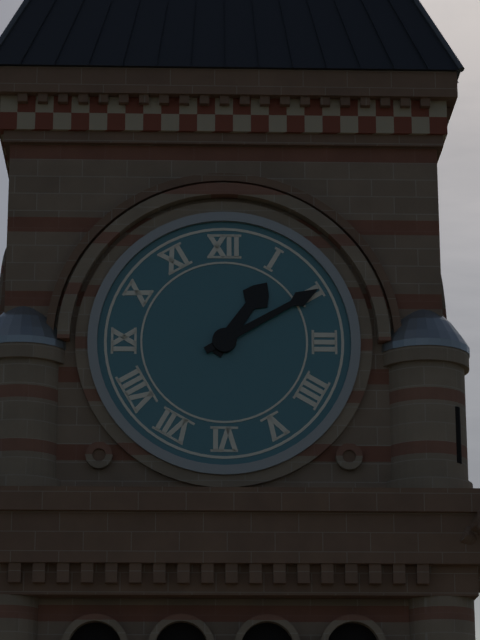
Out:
1 h 10 min
